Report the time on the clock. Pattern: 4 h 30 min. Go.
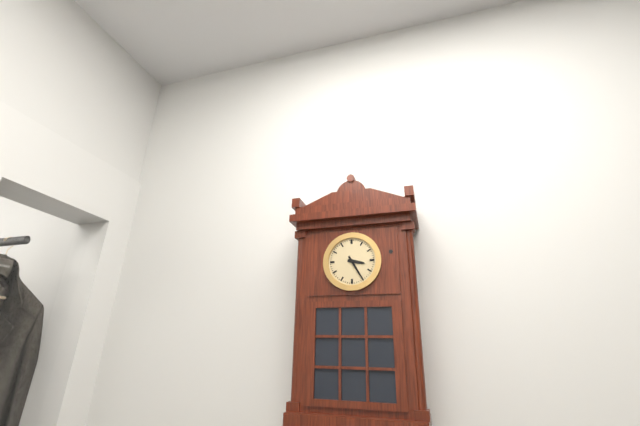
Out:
3 h 25 min
